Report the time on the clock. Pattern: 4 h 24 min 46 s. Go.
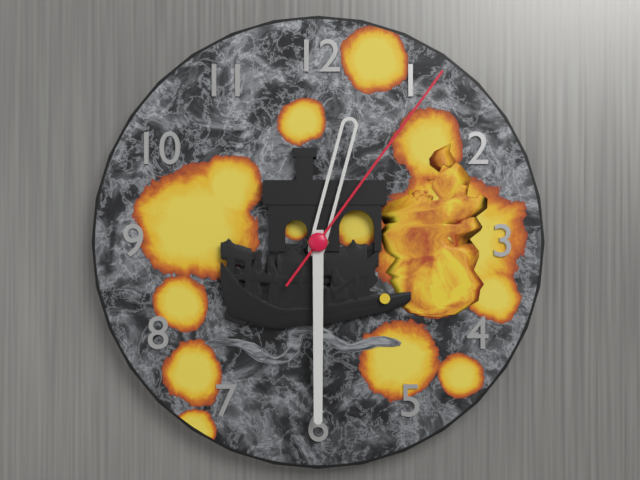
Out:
12 h 30 min 06 s
